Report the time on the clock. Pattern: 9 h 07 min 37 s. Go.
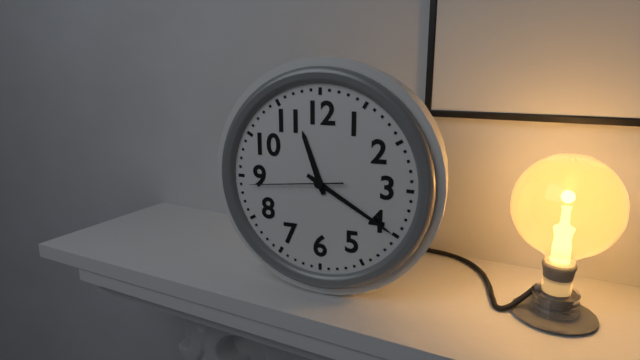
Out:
11 h 20 min 44 s
